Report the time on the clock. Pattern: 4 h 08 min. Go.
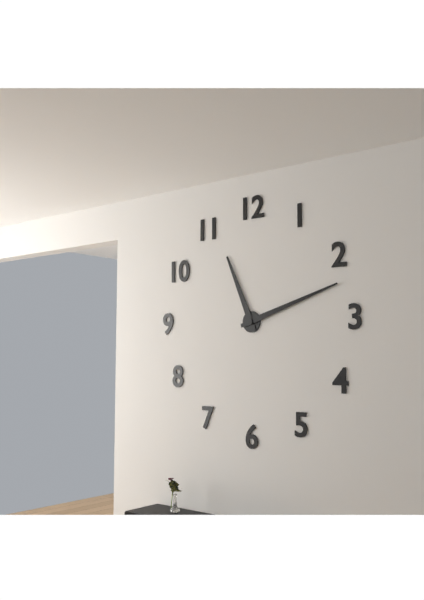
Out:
11 h 12 min
